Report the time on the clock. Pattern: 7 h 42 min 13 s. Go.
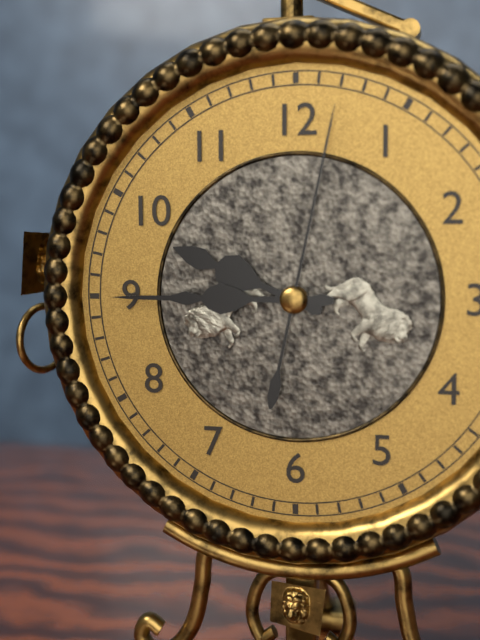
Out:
9 h 45 min 02 s
